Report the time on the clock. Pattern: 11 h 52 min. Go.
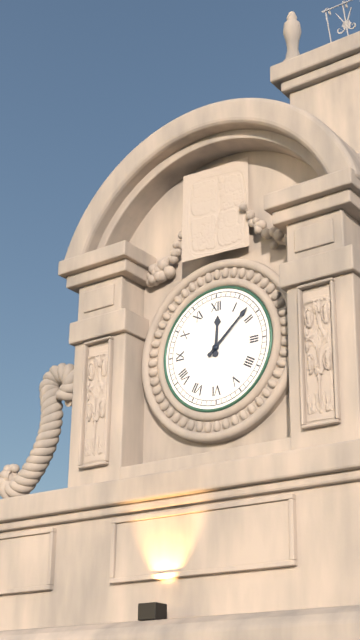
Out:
12 h 08 min
